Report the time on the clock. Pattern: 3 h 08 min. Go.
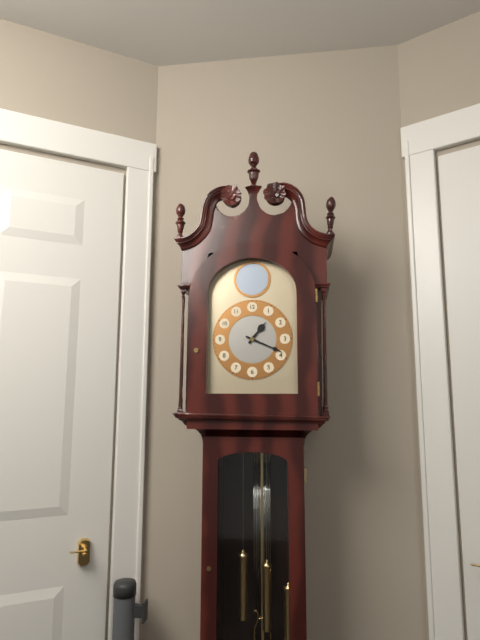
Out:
1 h 19 min
